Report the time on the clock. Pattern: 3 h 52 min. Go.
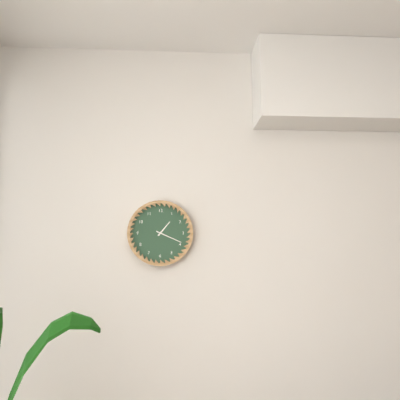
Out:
1 h 19 min
